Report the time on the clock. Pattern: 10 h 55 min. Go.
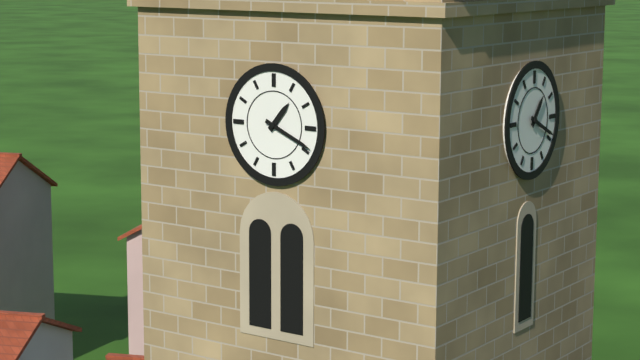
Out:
1 h 19 min
